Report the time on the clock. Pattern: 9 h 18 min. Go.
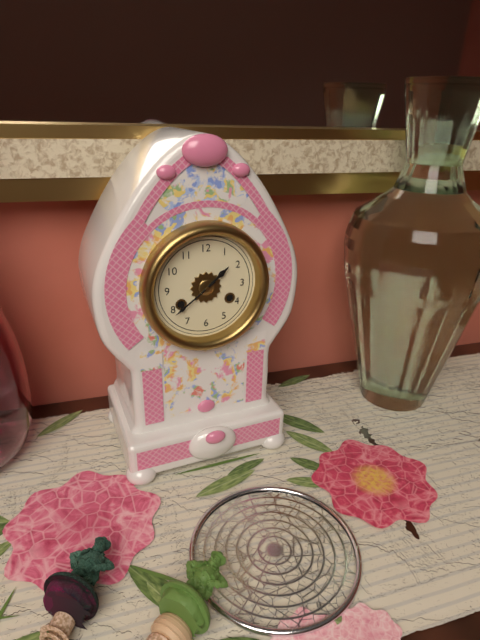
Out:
1 h 39 min
